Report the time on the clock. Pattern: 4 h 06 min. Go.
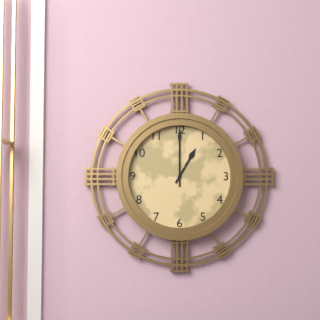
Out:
1 h 00 min
